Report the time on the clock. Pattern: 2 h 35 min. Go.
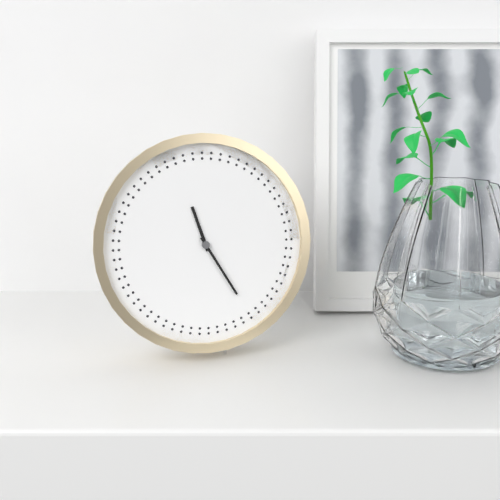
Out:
11 h 25 min
